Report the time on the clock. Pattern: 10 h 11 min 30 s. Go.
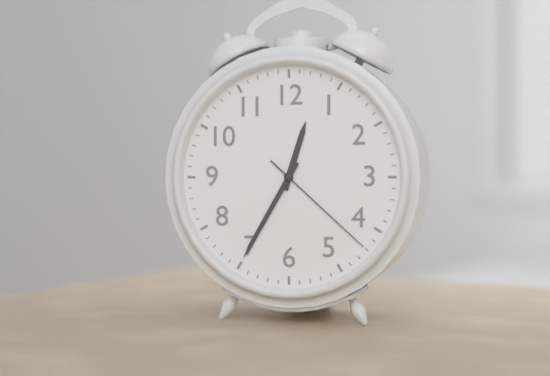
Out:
12 h 35 min 22 s
